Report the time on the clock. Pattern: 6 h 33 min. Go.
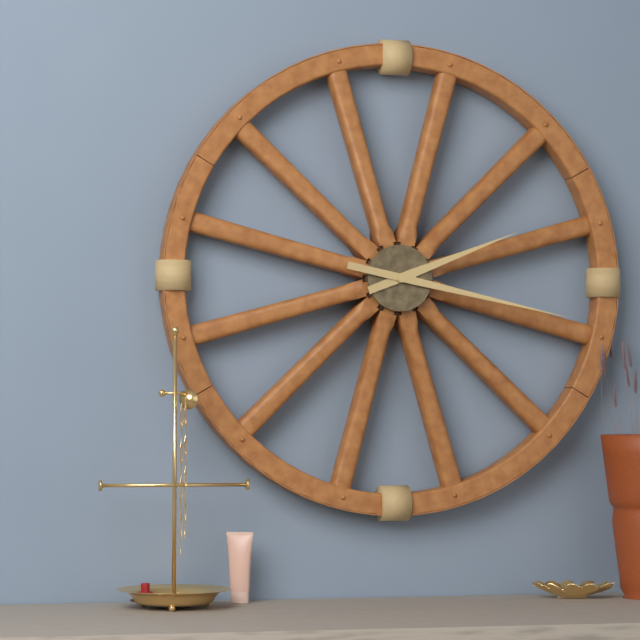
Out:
2 h 17 min
